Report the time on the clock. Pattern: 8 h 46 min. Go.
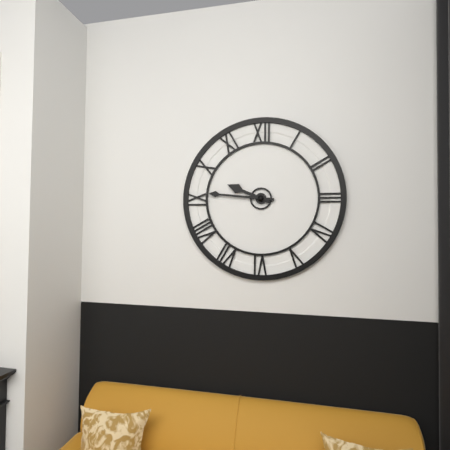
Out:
9 h 46 min
